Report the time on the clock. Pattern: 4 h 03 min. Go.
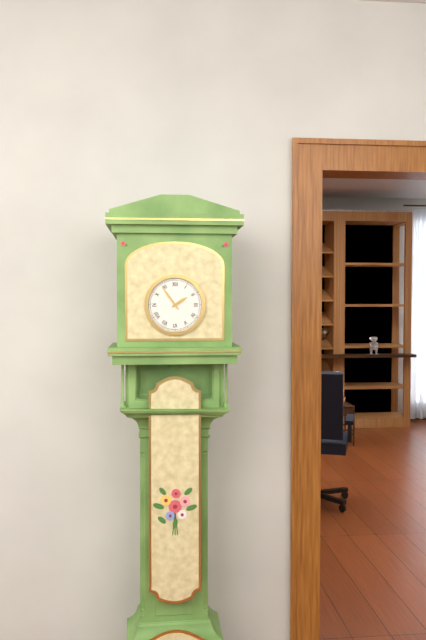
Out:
1 h 54 min
